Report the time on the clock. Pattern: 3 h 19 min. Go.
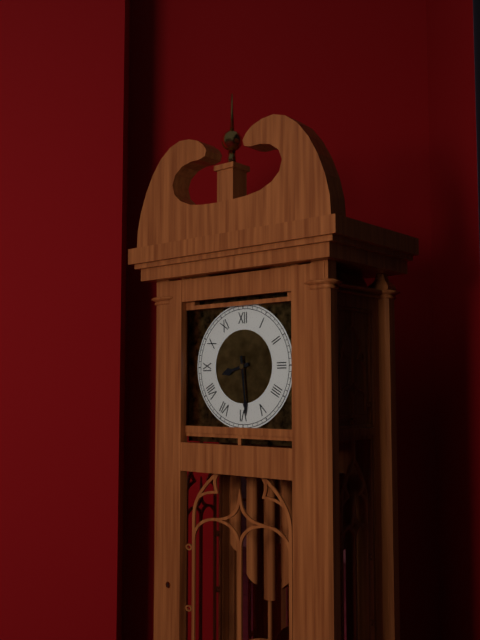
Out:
8 h 29 min
